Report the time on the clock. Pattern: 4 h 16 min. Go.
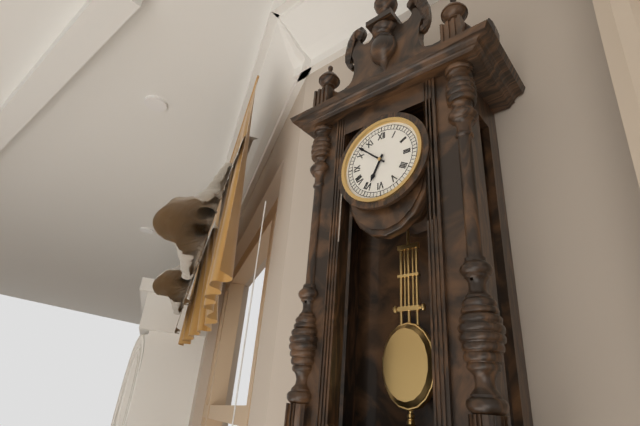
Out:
6 h 52 min
